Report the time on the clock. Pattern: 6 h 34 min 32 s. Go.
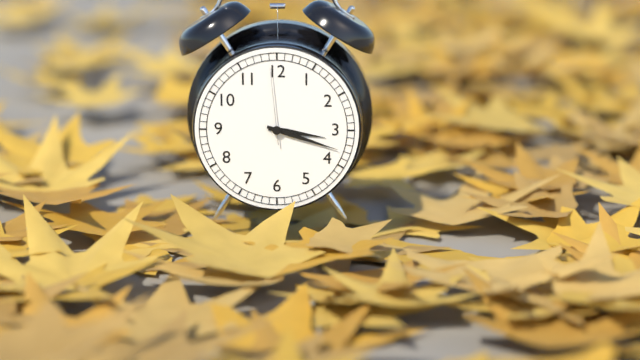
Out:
3 h 18 min 59 s
